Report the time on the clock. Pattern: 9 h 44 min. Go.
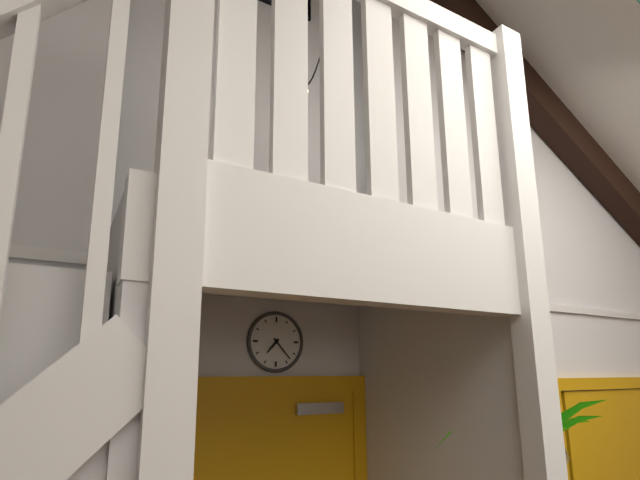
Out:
7 h 23 min
